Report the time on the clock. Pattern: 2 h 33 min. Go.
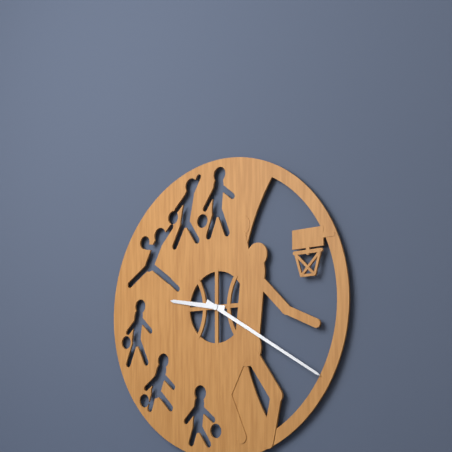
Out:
9 h 20 min
